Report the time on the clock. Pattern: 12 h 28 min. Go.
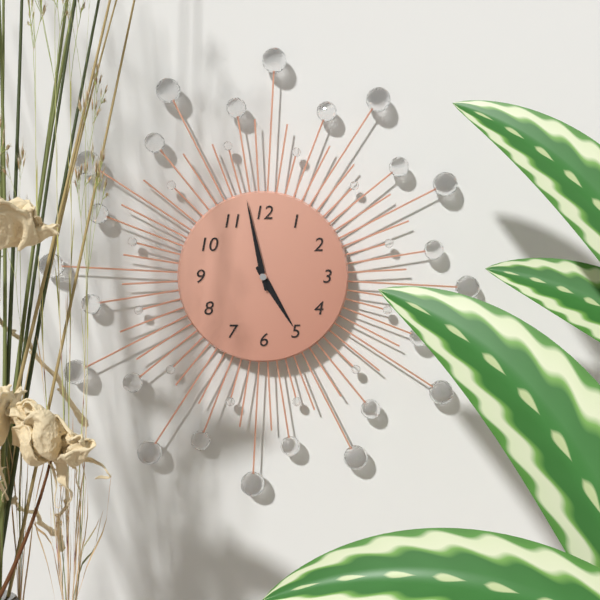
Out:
4 h 58 min
